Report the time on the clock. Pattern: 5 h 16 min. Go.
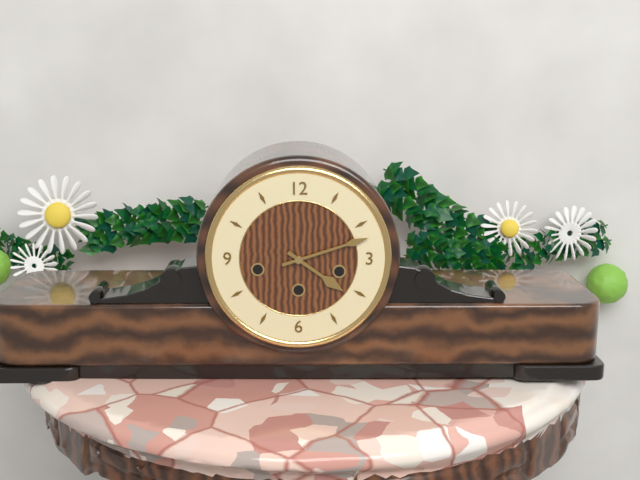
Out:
4 h 12 min
